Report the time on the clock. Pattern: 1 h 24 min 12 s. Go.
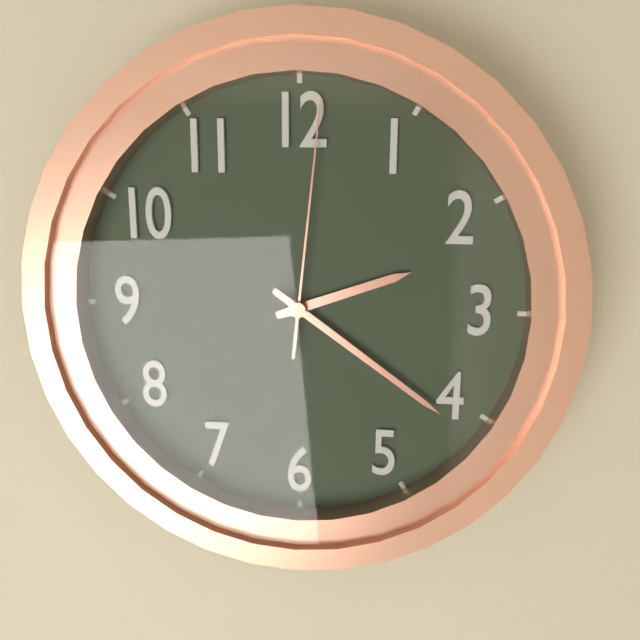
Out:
2 h 21 min 01 s
